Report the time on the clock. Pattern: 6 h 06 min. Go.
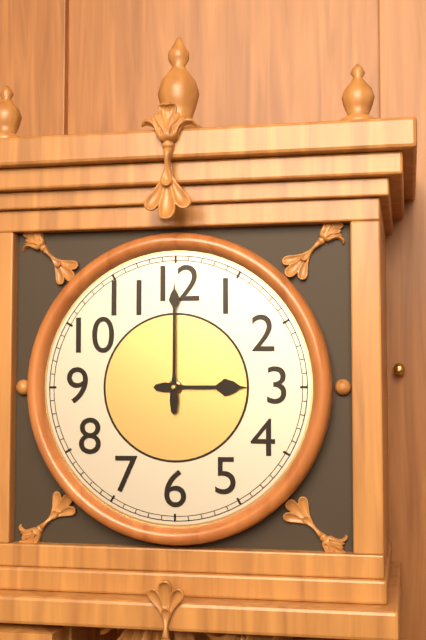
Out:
3 h 00 min
